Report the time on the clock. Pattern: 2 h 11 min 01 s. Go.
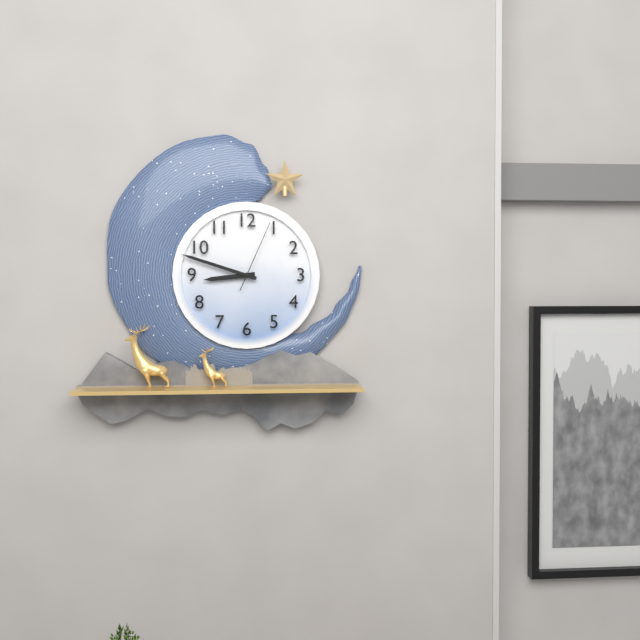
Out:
8 h 48 min 04 s
